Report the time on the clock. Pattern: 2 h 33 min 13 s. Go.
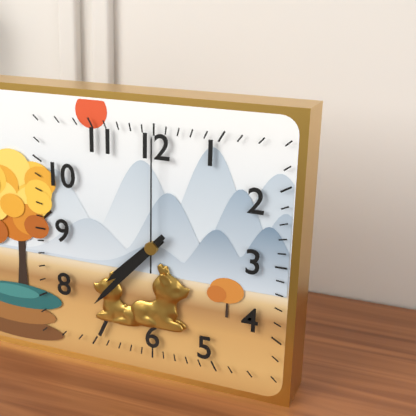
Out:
7 h 37 min 00 s
